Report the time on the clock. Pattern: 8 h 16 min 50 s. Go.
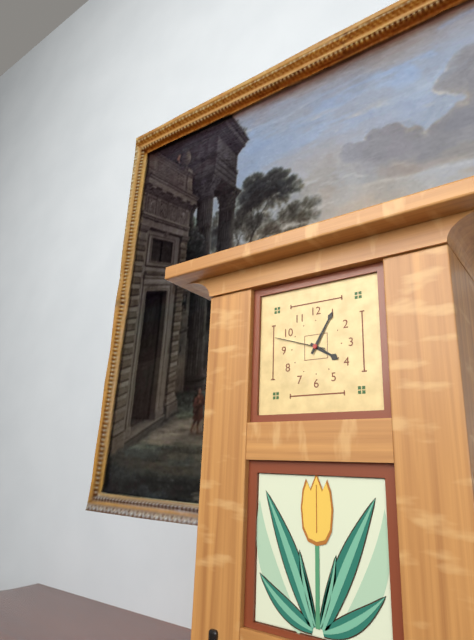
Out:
4 h 05 min 48 s
